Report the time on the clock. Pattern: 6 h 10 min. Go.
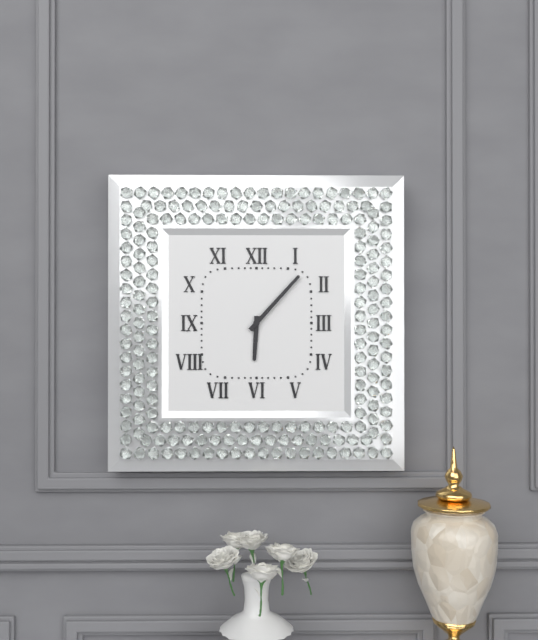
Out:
6 h 07 min
